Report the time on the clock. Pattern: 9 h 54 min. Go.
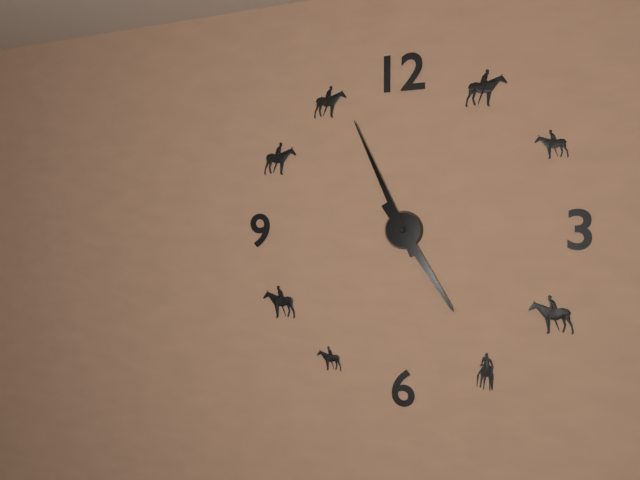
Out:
4 h 56 min
